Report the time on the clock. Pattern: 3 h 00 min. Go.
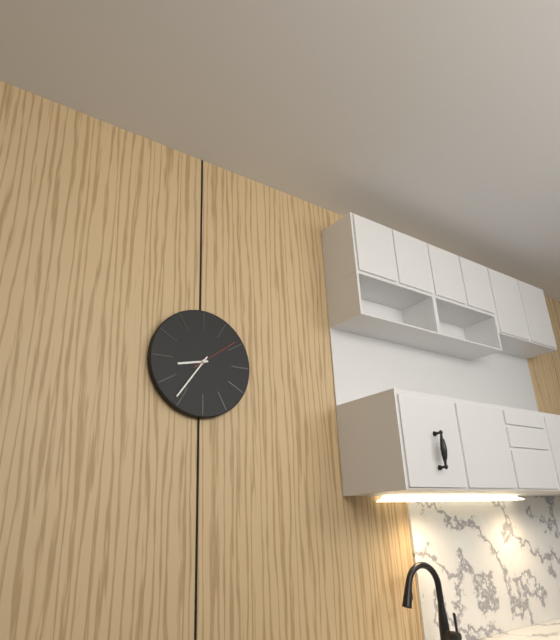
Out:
8 h 36 min
